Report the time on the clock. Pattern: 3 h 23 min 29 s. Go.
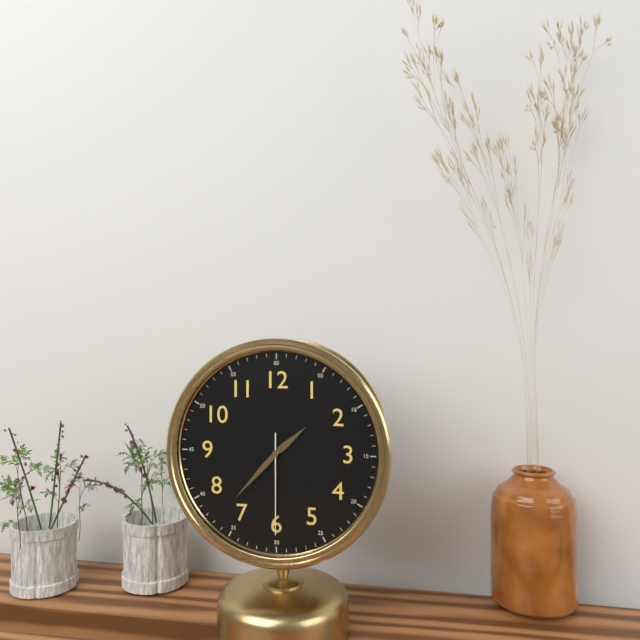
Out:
1 h 37 min 30 s
